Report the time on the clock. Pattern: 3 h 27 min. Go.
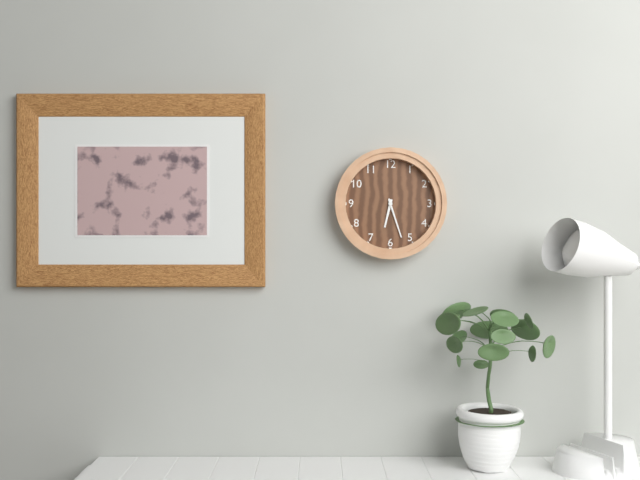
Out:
6 h 27 min
